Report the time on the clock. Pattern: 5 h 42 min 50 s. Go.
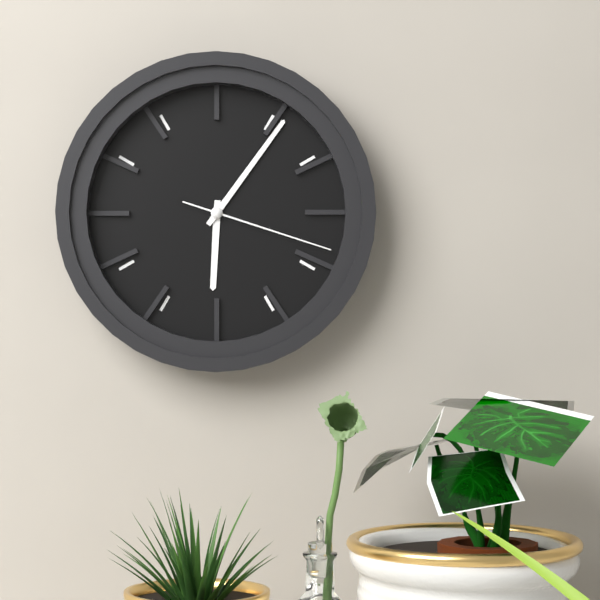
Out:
6 h 06 min 18 s
